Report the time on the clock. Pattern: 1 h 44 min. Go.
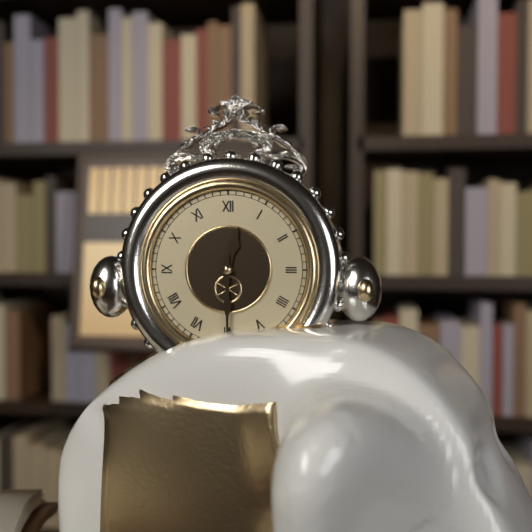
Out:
12 h 30 min
